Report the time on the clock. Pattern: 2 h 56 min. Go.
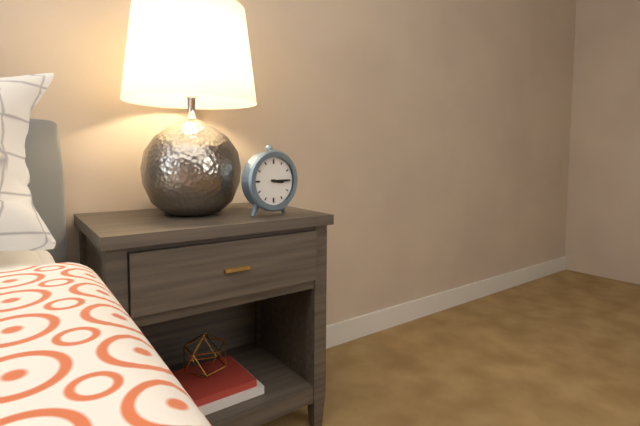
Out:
3 h 15 min
